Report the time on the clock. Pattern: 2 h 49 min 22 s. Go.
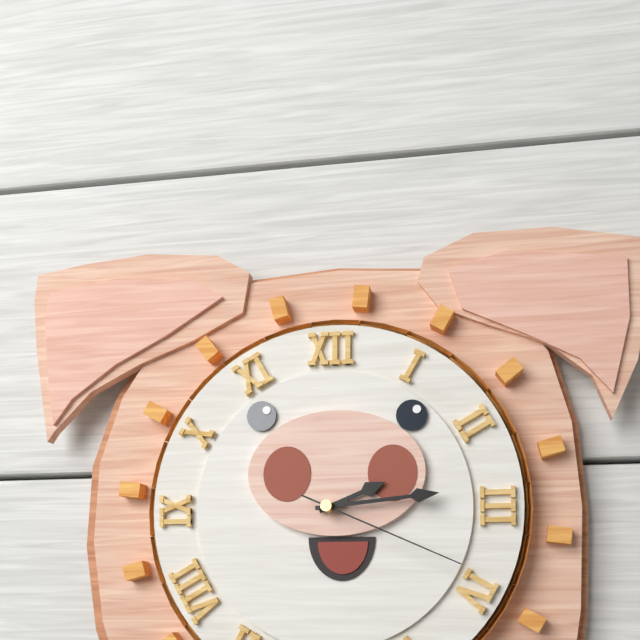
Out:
2 h 14 min 19 s
